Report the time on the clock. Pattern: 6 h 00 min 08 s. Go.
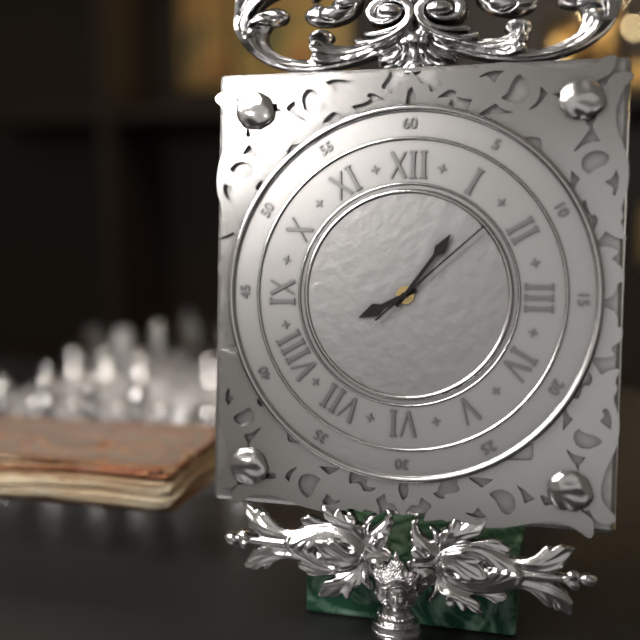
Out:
8 h 06 min 08 s
